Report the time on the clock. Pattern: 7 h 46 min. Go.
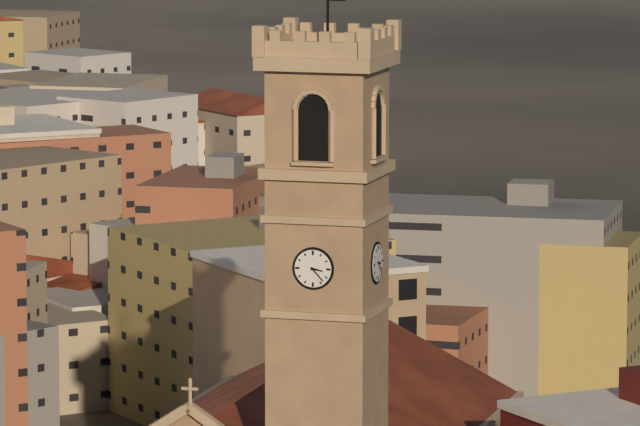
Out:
3 h 23 min
